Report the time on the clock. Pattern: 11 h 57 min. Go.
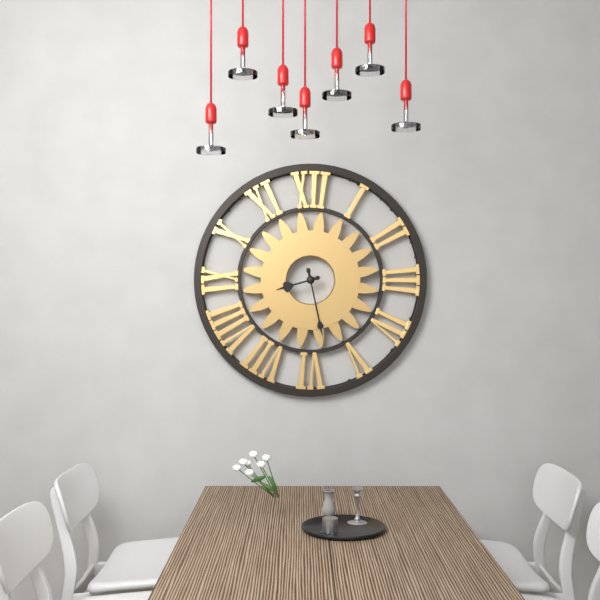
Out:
8 h 28 min
